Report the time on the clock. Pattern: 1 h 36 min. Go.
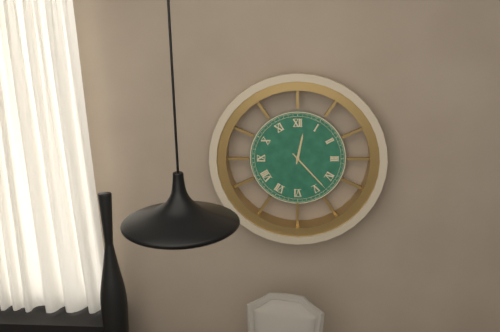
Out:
12 h 23 min
